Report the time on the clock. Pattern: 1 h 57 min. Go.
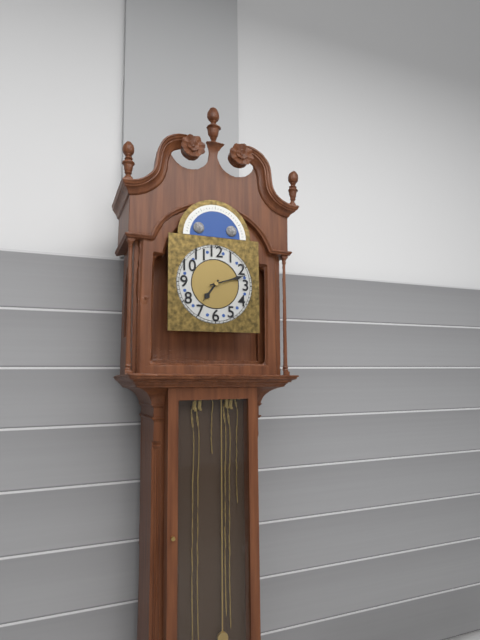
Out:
7 h 12 min
